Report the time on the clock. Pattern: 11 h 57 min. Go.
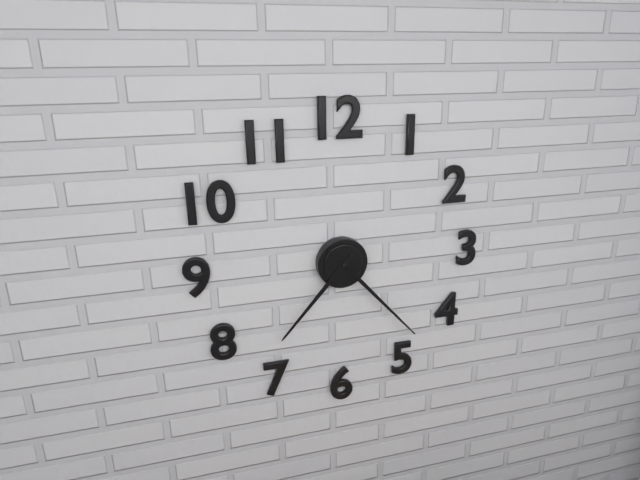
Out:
7 h 23 min
